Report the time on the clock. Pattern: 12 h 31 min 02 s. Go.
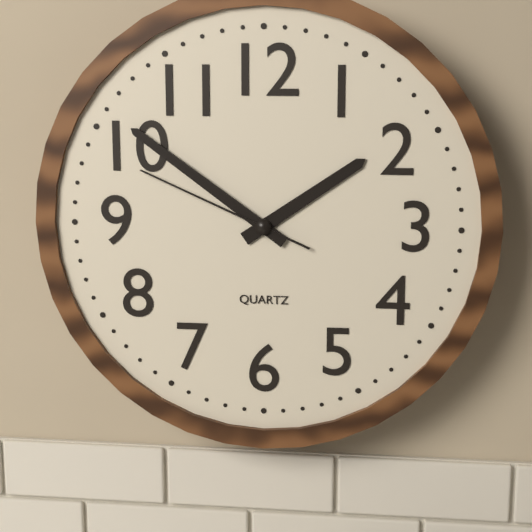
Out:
1 h 51 min 49 s
